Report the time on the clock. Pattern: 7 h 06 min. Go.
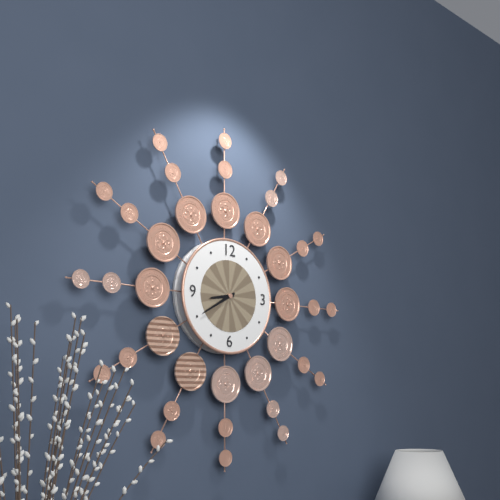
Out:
8 h 40 min
